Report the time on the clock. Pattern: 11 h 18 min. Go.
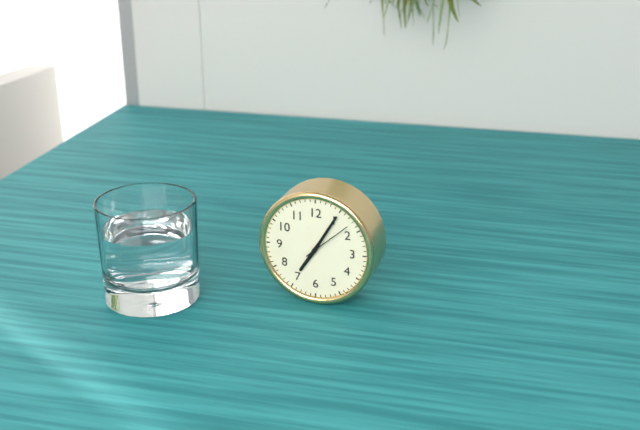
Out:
7 h 05 min
